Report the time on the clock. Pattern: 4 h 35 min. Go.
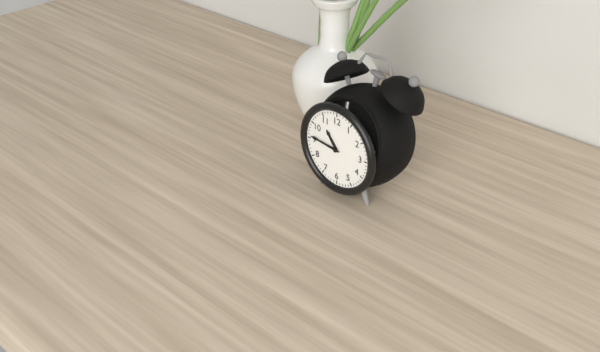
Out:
10 h 46 min
